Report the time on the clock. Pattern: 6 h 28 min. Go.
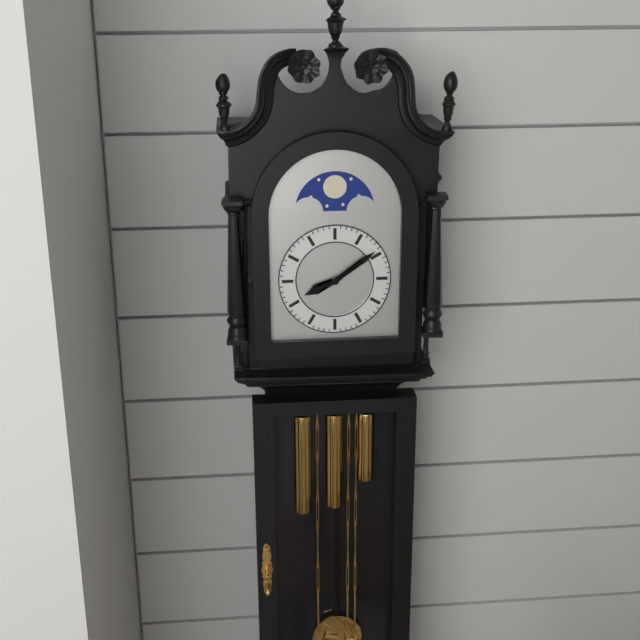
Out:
8 h 09 min
